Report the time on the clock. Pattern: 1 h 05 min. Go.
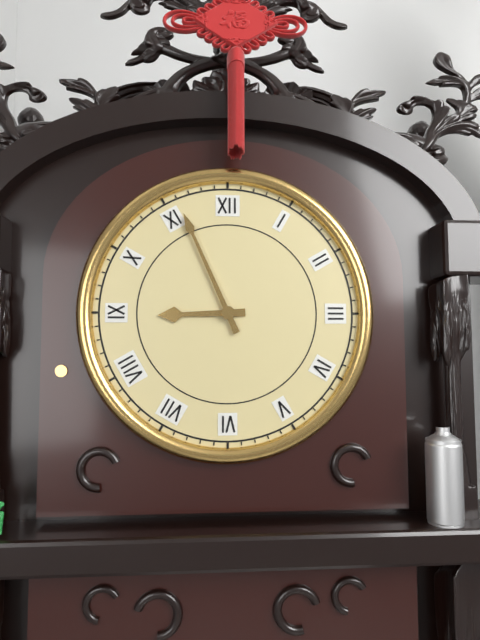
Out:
8 h 56 min
